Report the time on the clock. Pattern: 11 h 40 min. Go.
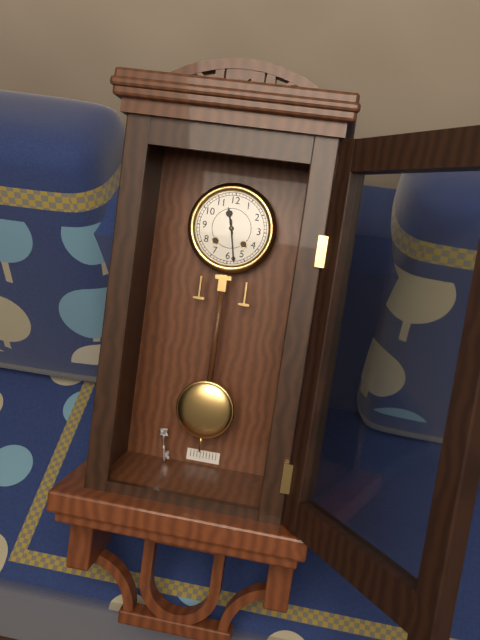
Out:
11 h 28 min
